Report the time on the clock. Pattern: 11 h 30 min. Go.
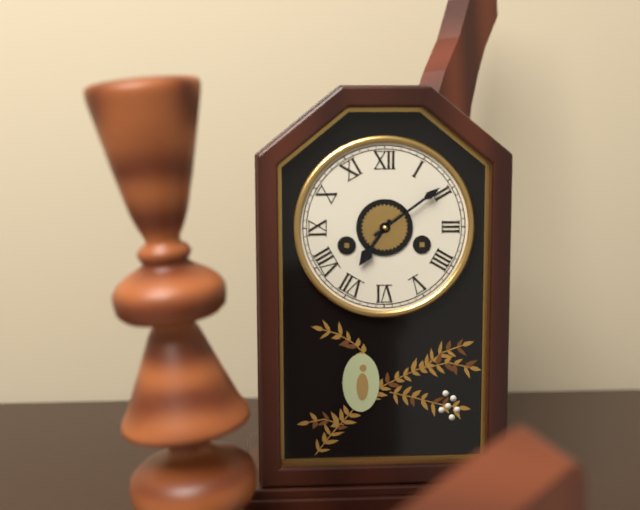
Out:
7 h 09 min
